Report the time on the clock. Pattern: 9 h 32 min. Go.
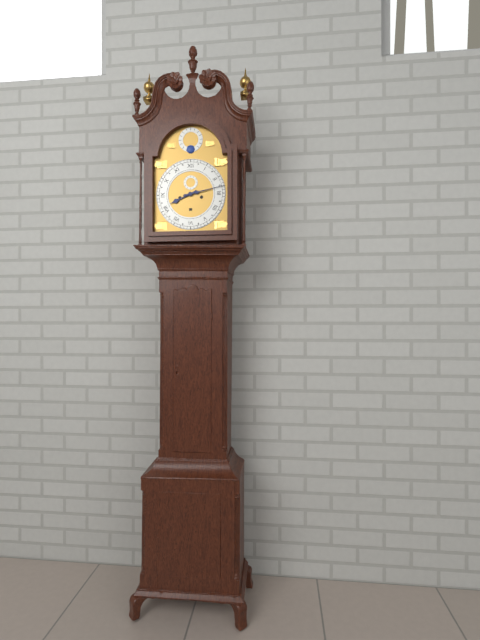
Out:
8 h 13 min
